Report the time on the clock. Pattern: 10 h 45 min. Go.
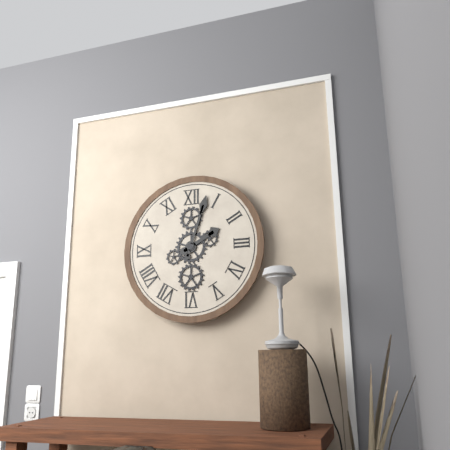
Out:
2 h 03 min
